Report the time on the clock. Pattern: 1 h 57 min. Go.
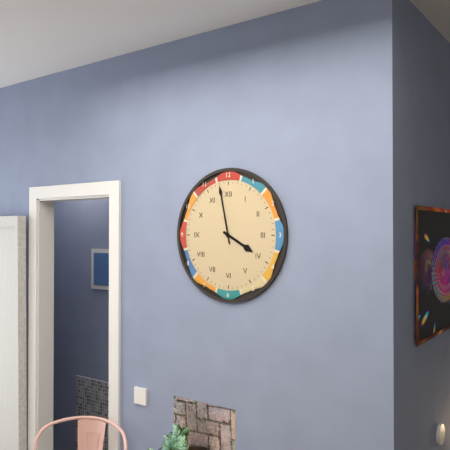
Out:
3 h 58 min
